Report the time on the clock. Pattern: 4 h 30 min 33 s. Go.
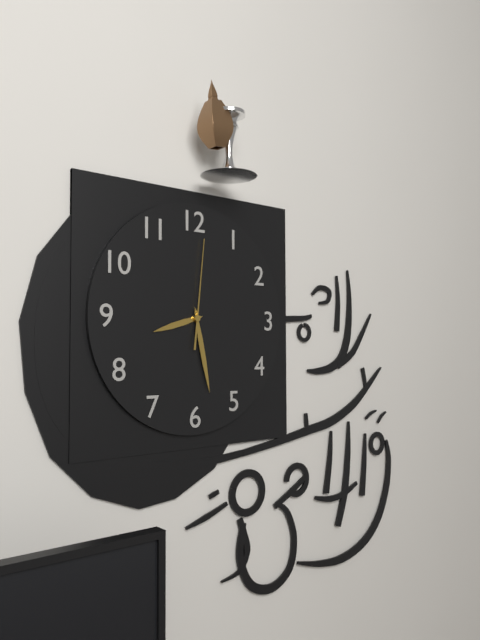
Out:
8 h 28 min 01 s
